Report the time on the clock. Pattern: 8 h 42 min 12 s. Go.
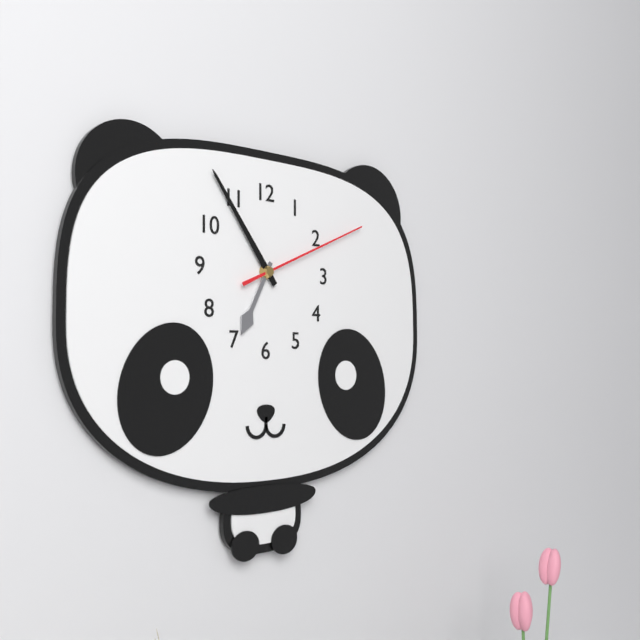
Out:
6 h 54 min 11 s
